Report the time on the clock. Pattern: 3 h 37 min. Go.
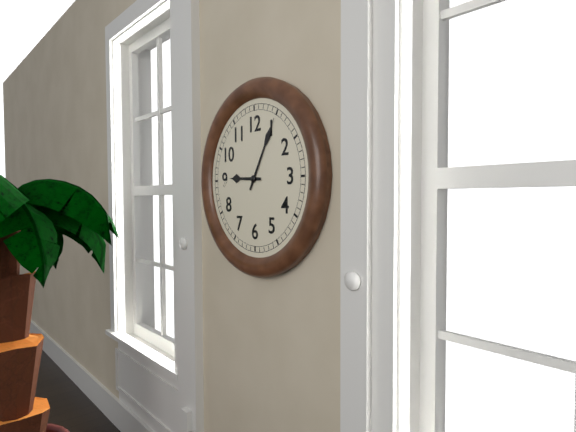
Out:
9 h 05 min
